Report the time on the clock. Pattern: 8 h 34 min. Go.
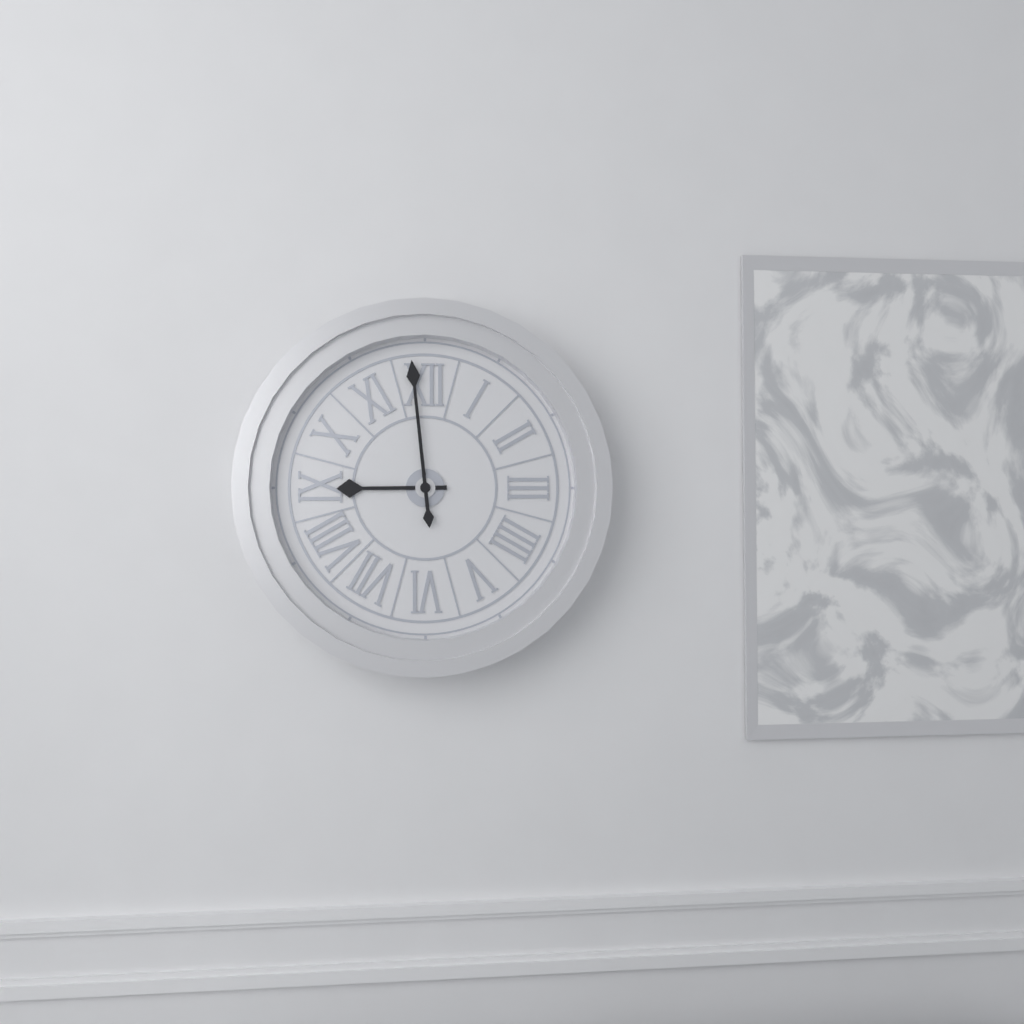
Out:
8 h 59 min
